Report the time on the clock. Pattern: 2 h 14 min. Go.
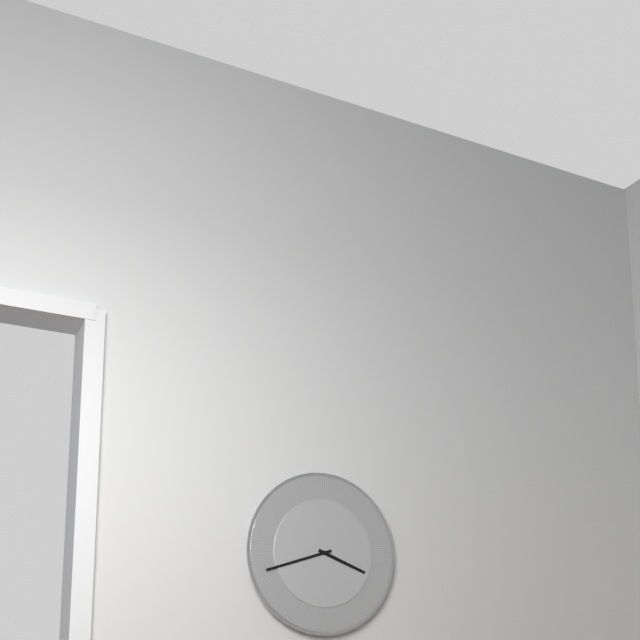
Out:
3 h 42 min
